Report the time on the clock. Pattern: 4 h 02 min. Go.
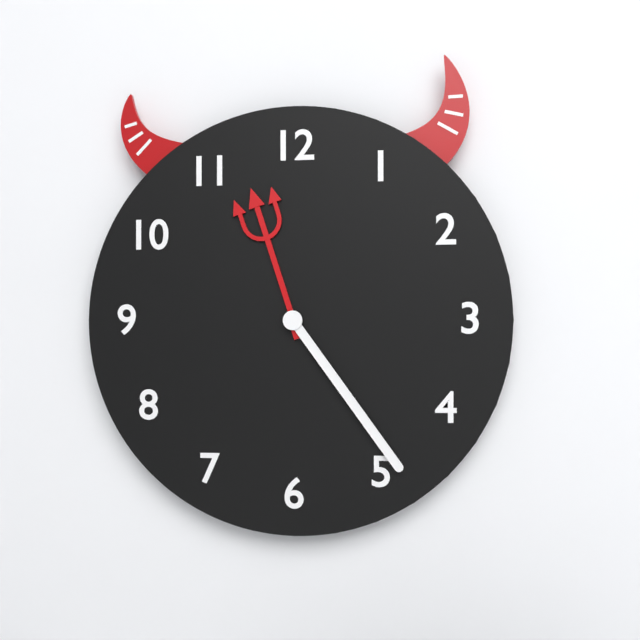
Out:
11 h 24 min
